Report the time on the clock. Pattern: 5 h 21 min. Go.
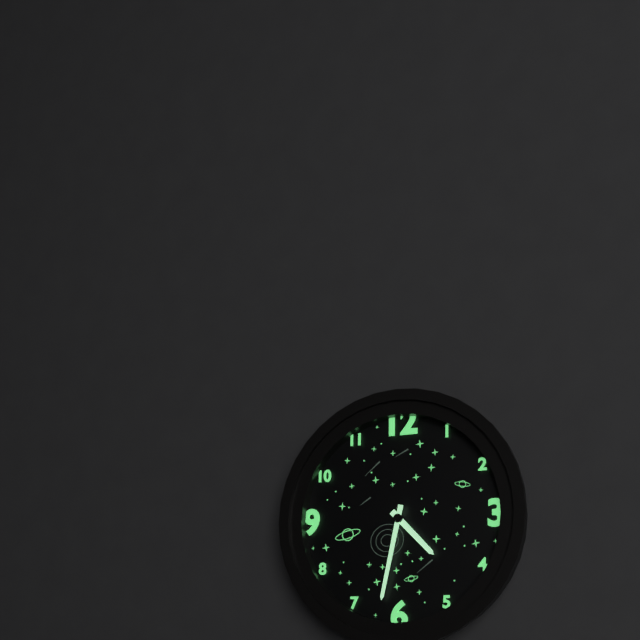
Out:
4 h 32 min
